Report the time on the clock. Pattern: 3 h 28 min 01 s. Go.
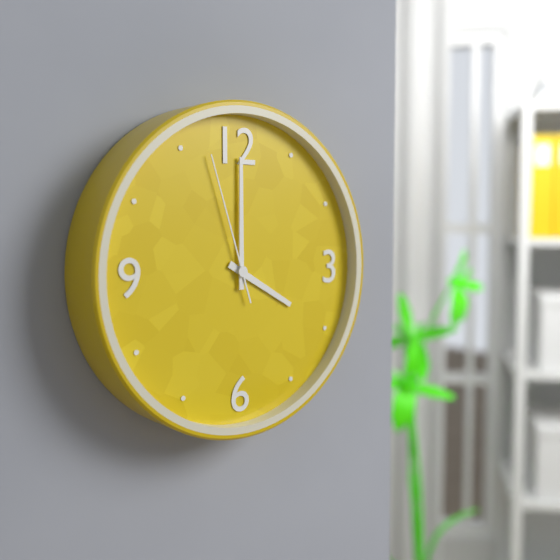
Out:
4 h 00 min 57 s
